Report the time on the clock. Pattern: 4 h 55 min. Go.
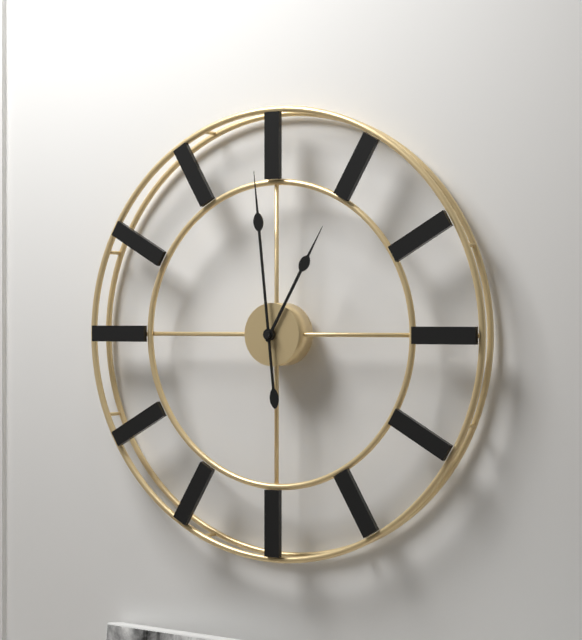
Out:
12 h 59 min
